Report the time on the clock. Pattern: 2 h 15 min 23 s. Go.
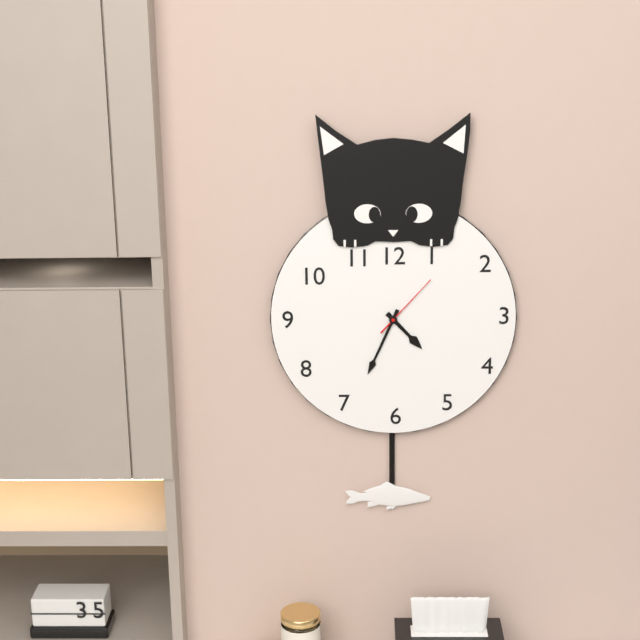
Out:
4 h 34 min 07 s
